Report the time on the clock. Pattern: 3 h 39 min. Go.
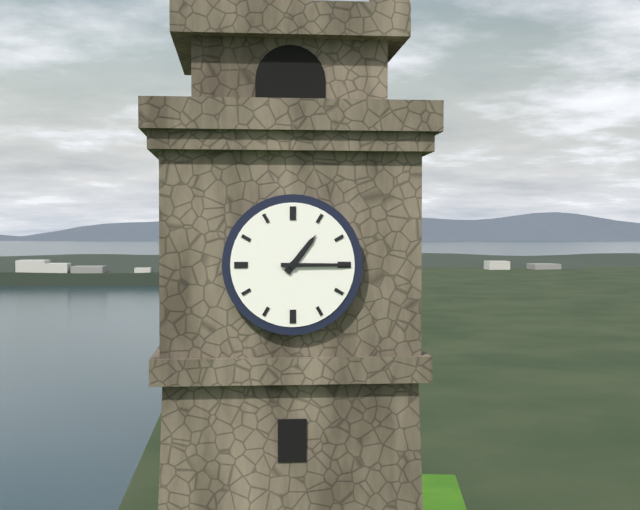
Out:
1 h 15 min
